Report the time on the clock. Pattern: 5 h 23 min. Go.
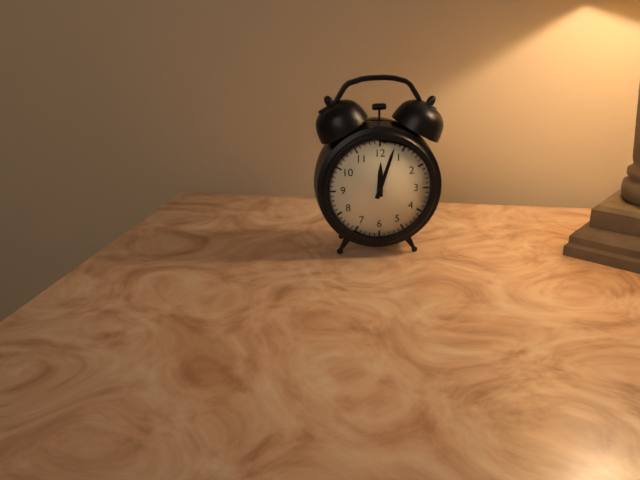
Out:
12 h 03 min
